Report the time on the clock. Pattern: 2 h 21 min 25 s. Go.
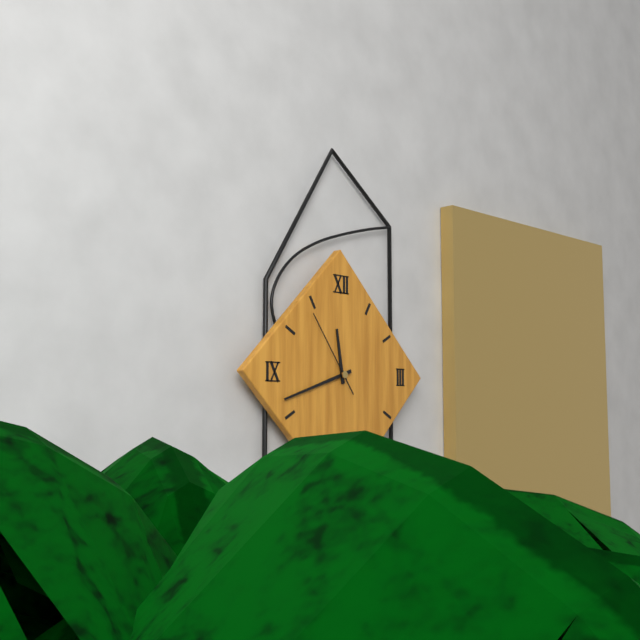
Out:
11 h 42 min 54 s
